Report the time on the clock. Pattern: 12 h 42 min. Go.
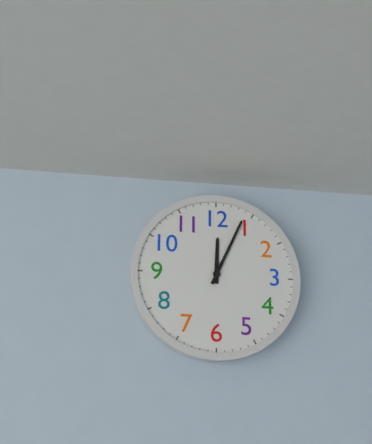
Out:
12 h 04 min
